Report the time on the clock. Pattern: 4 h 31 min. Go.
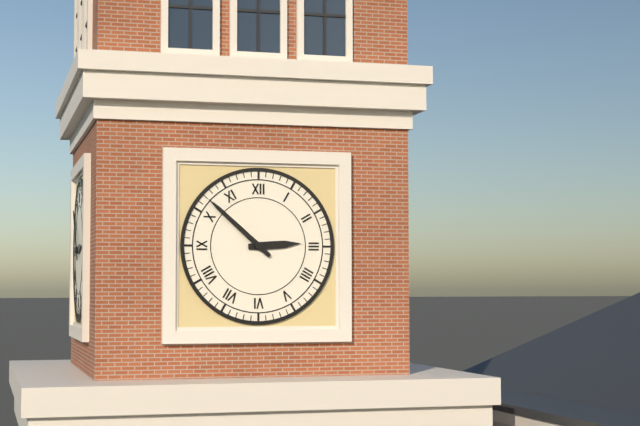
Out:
2 h 52 min
